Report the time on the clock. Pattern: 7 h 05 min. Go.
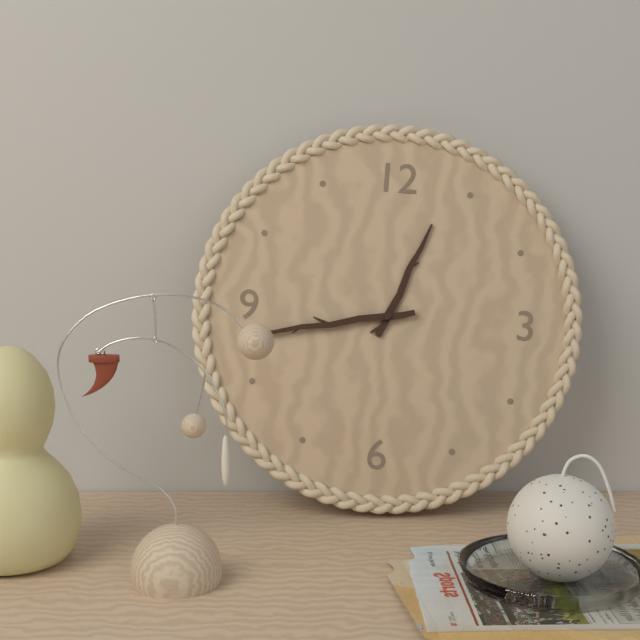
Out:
12 h 43 min
